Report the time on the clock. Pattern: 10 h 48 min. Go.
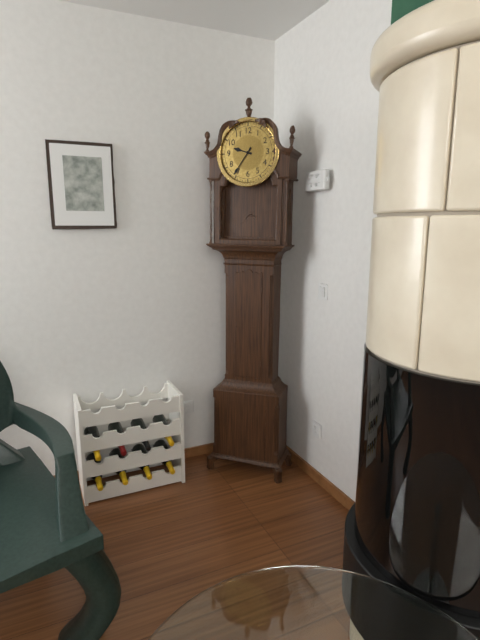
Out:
9 h 36 min
